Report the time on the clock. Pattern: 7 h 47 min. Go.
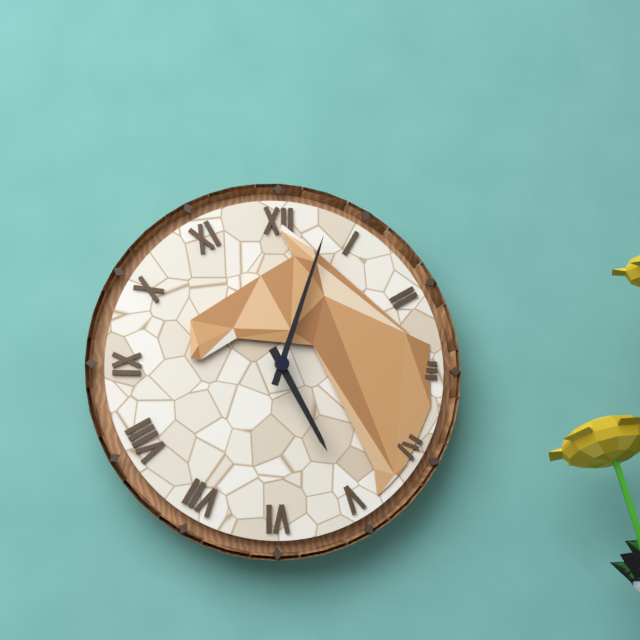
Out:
5 h 03 min
